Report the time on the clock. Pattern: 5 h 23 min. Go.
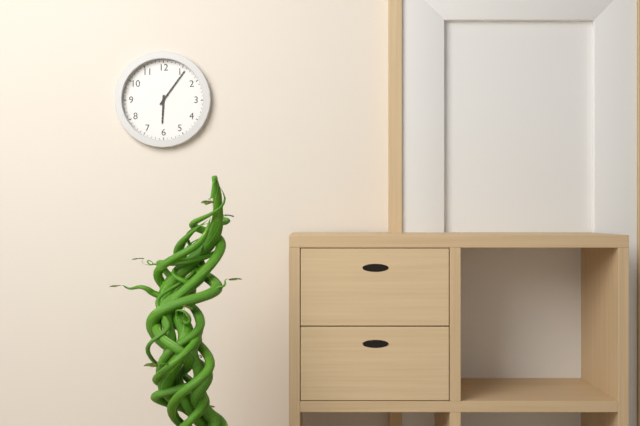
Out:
6 h 06 min
